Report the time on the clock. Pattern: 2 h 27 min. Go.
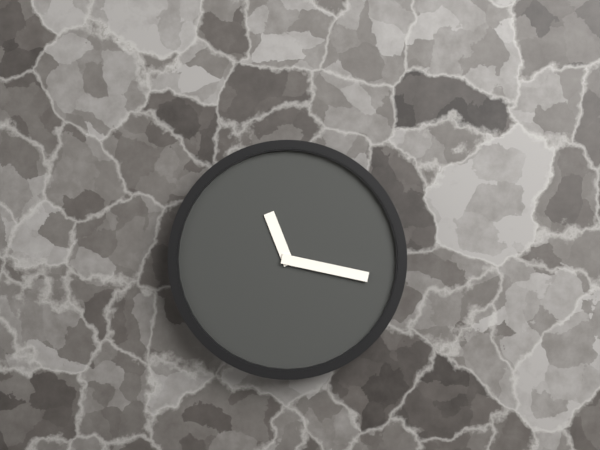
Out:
11 h 17 min
